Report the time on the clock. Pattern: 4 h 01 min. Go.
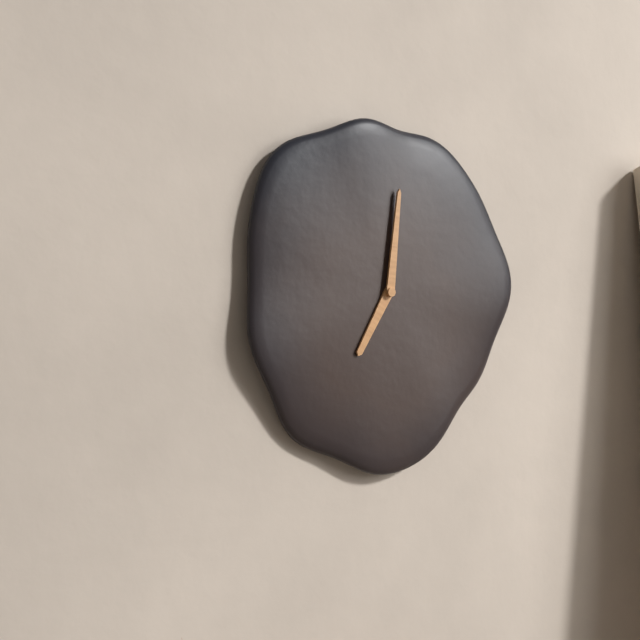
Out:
7 h 01 min
